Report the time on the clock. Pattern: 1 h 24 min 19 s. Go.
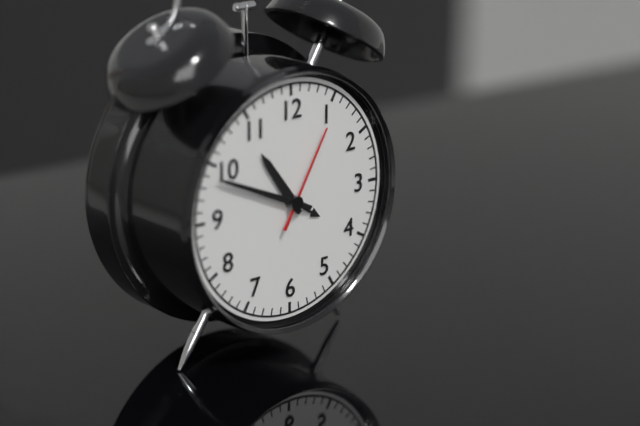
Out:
10 h 49 min 05 s
